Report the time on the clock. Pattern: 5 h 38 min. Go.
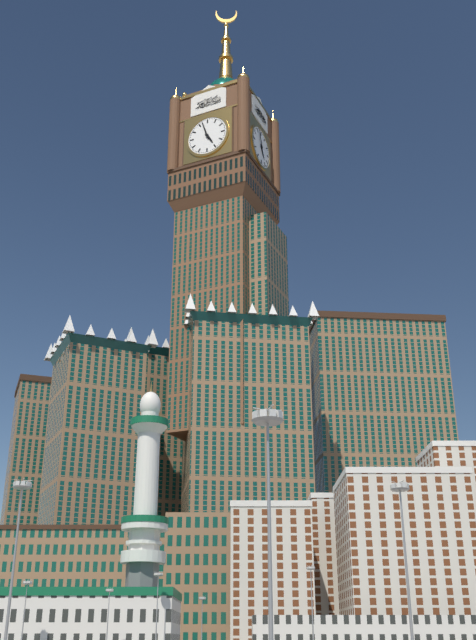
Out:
4 h 57 min
